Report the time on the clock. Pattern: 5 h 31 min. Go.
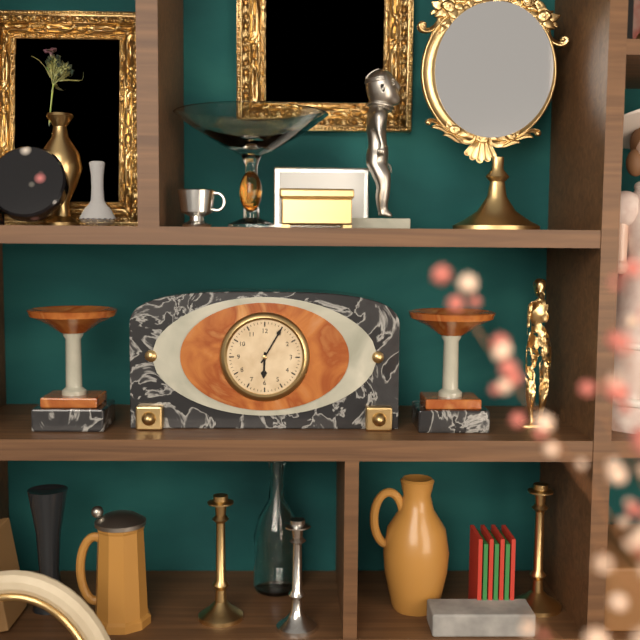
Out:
6 h 05 min
